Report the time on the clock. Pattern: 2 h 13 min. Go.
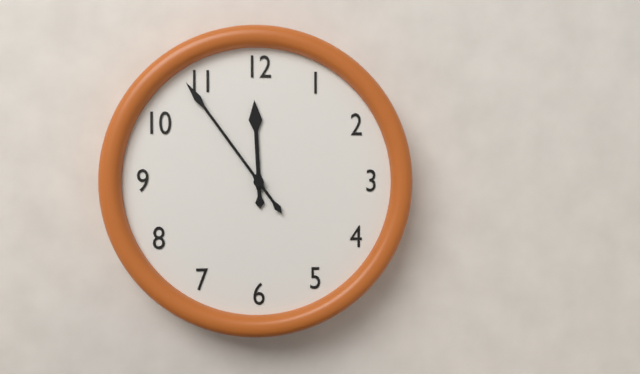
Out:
11 h 54 min
